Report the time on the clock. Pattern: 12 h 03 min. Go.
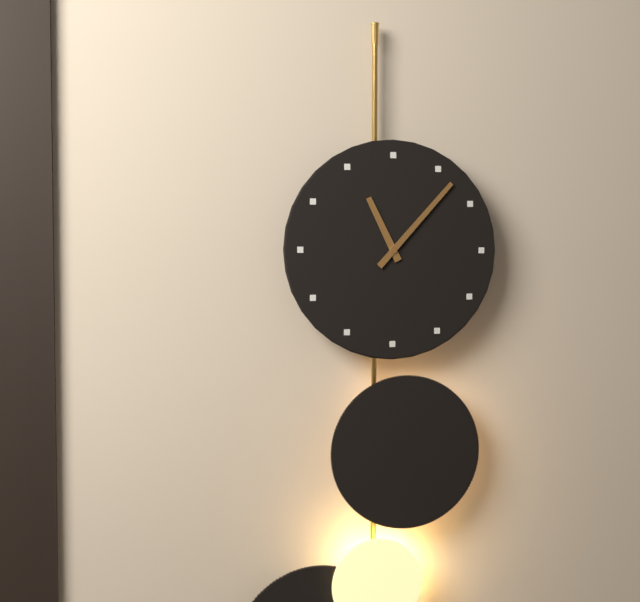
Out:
11 h 07 min
